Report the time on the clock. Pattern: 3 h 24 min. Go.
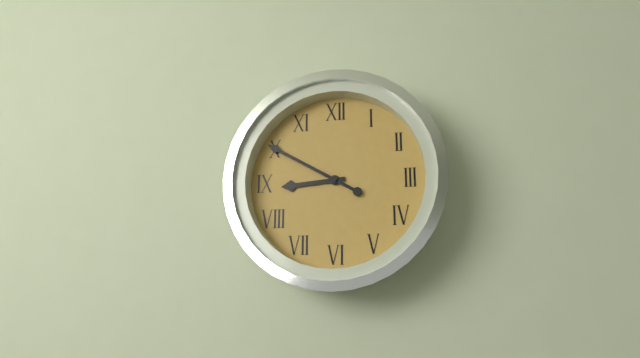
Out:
8 h 50 min
